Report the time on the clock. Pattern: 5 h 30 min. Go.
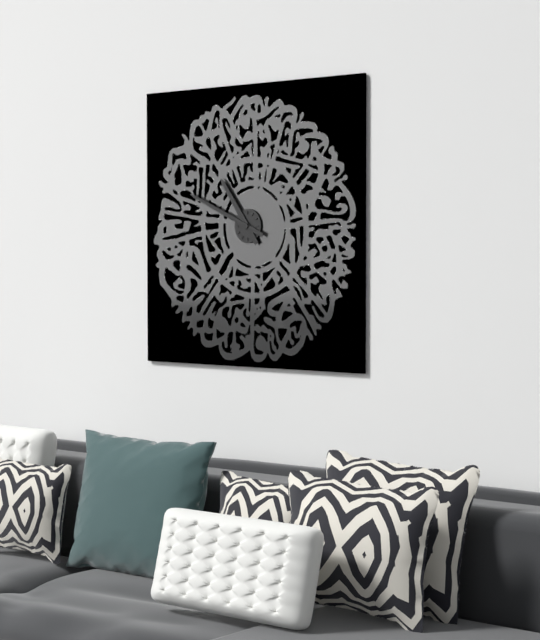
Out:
10 h 49 min
